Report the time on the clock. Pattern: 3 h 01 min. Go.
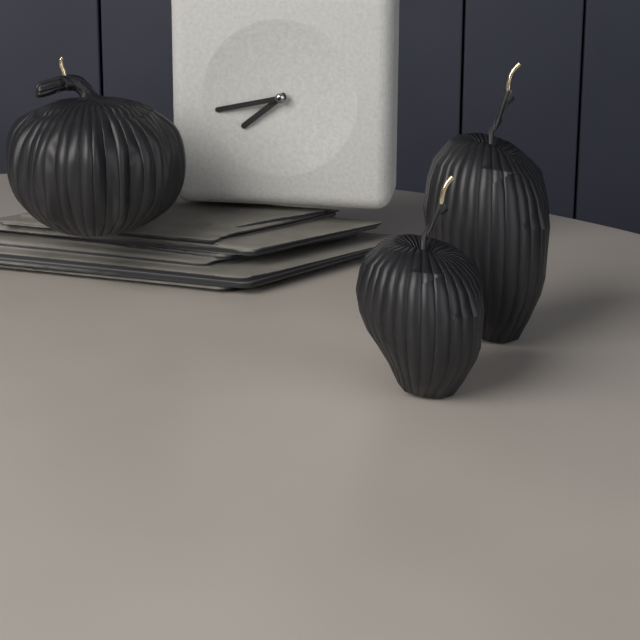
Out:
7 h 43 min
